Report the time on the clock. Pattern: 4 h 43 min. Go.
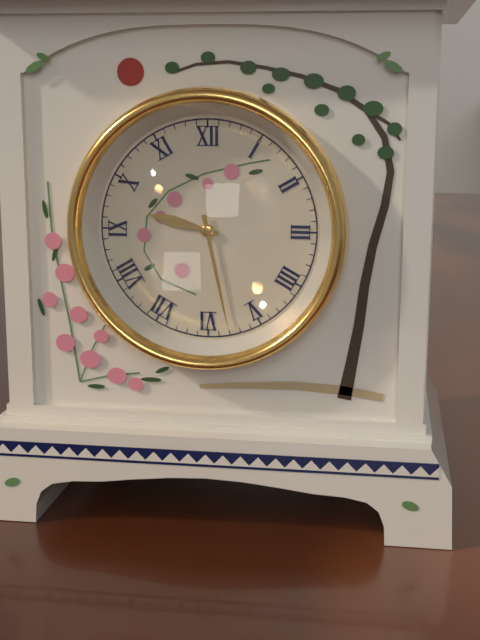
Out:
9 h 28 min
